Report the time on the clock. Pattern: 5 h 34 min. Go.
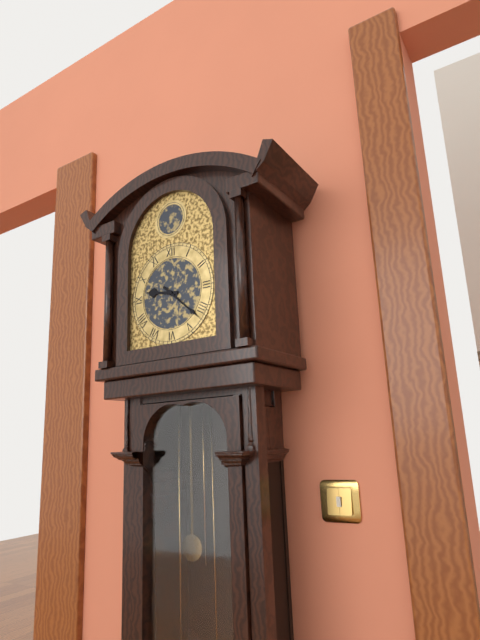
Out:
9 h 22 min
